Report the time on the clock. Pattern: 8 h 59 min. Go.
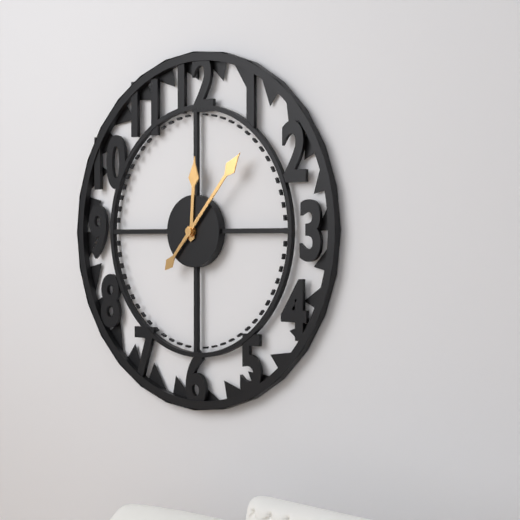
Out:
12 h 07 min
